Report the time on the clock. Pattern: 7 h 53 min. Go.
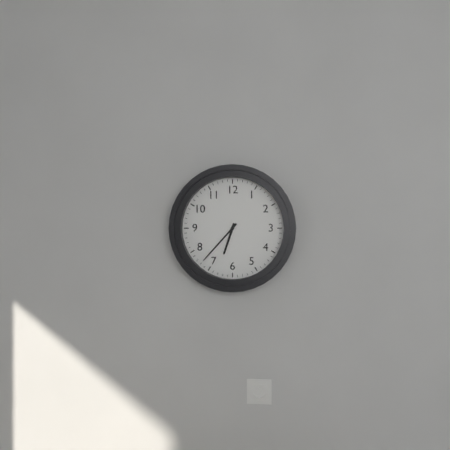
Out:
6 h 37 min
